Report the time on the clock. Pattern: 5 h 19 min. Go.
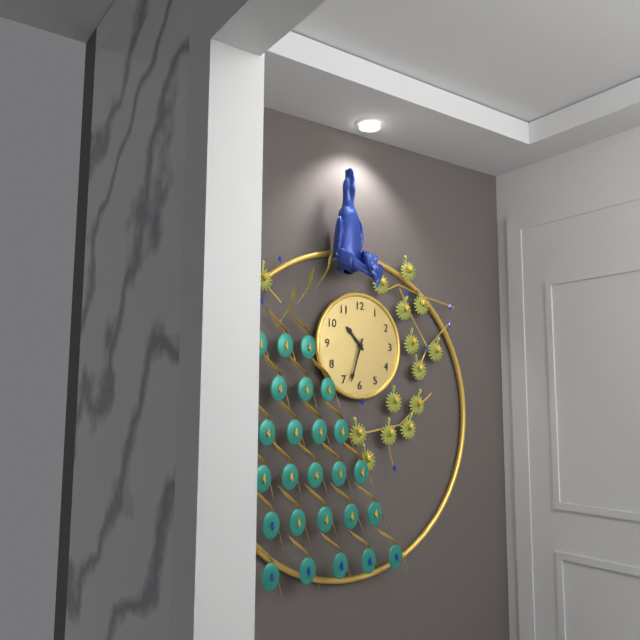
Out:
10 h 33 min
